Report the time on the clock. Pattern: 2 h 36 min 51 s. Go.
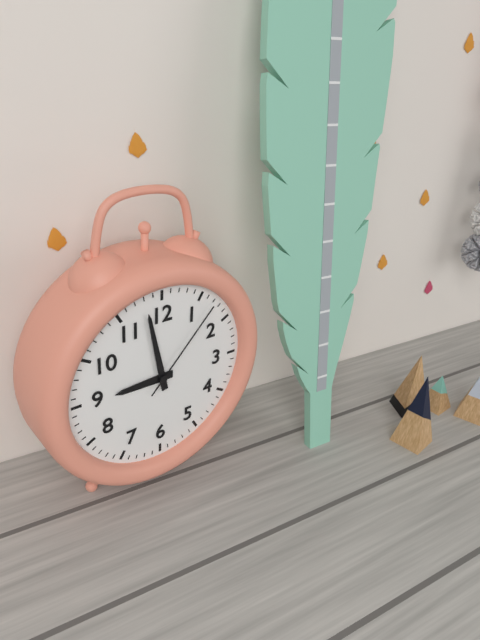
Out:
8 h 58 min 07 s
